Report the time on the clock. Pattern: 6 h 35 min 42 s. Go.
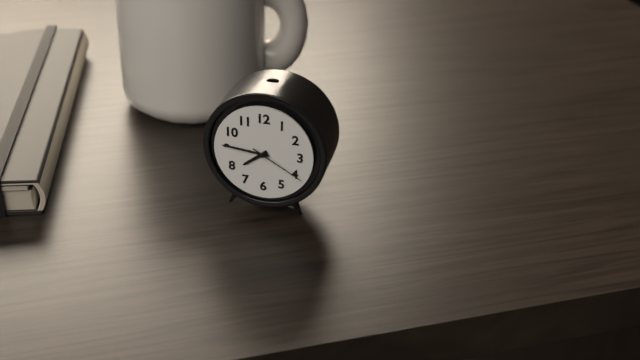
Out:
7 h 46 min 20 s
